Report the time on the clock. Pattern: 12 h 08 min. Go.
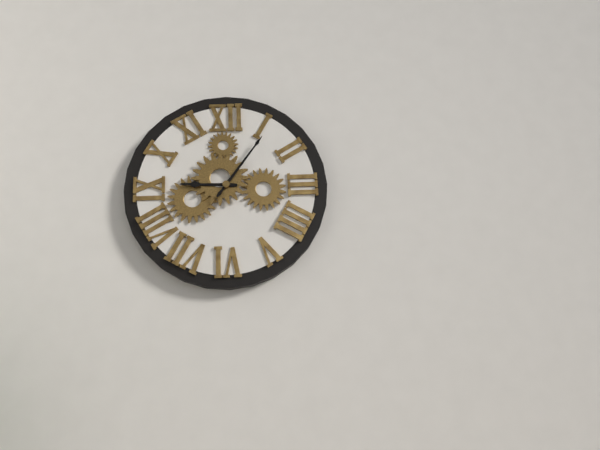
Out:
9 h 06 min
